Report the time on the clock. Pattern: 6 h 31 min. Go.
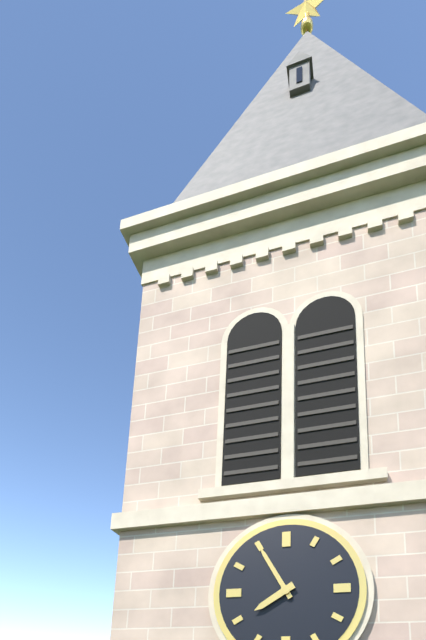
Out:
7 h 55 min
